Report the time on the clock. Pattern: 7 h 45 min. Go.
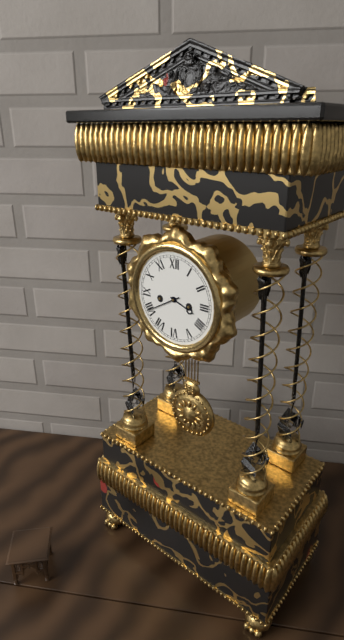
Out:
3 h 40 min
